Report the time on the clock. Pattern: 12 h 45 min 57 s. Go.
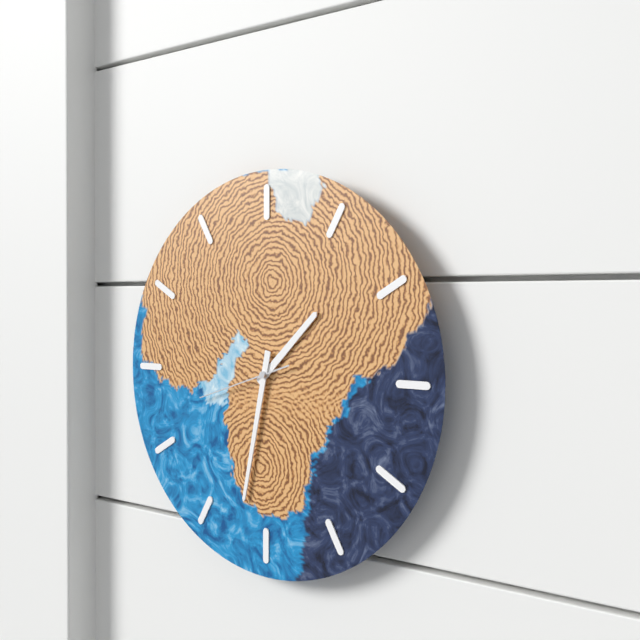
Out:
1 h 32 min 42 s
